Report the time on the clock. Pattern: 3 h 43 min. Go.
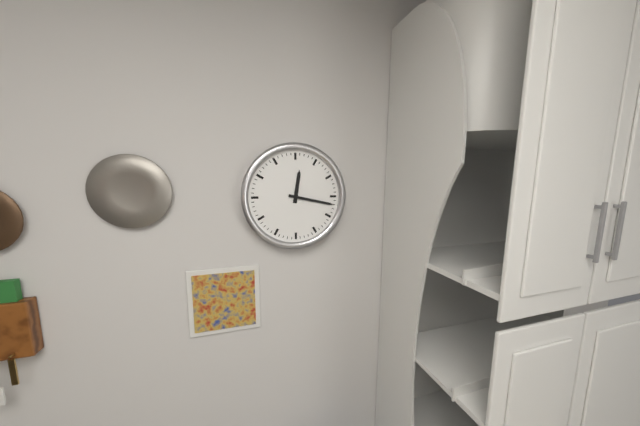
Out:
12 h 17 min
